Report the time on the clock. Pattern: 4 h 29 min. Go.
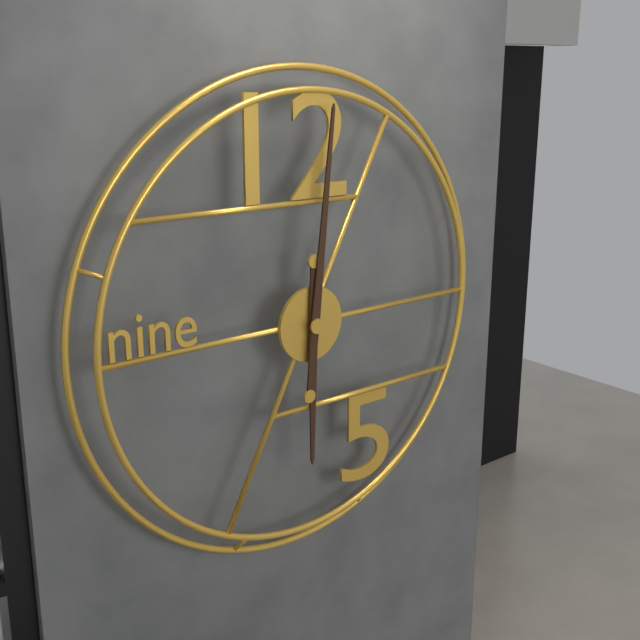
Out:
6 h 01 min
